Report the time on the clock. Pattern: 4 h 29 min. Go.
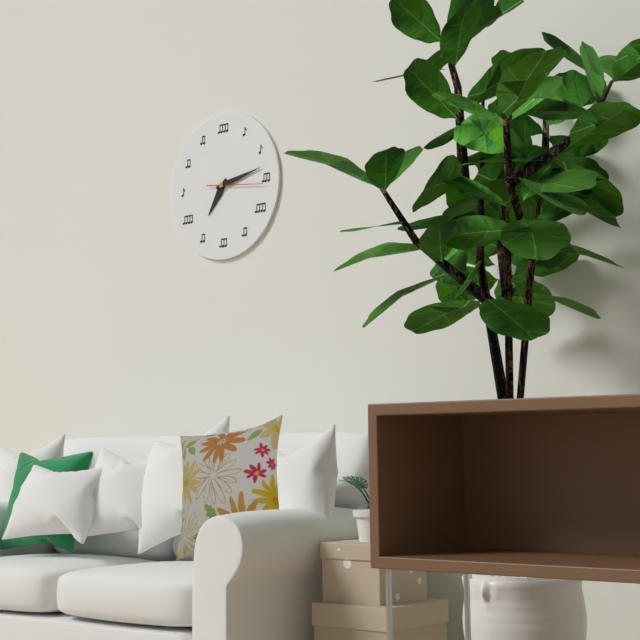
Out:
7 h 13 min
